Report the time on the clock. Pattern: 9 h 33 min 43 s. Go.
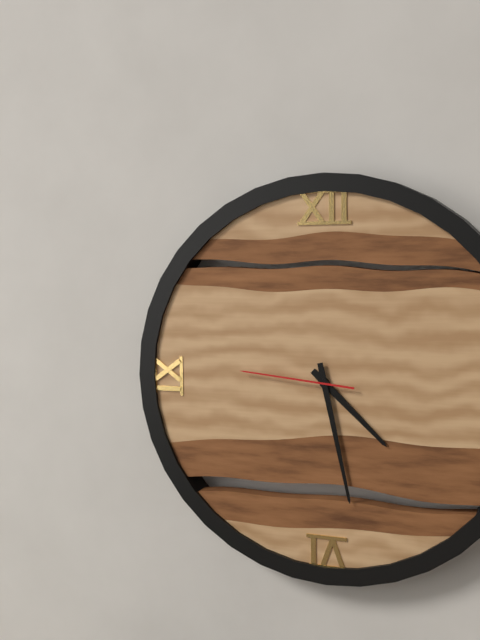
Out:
4 h 28 min 46 s
